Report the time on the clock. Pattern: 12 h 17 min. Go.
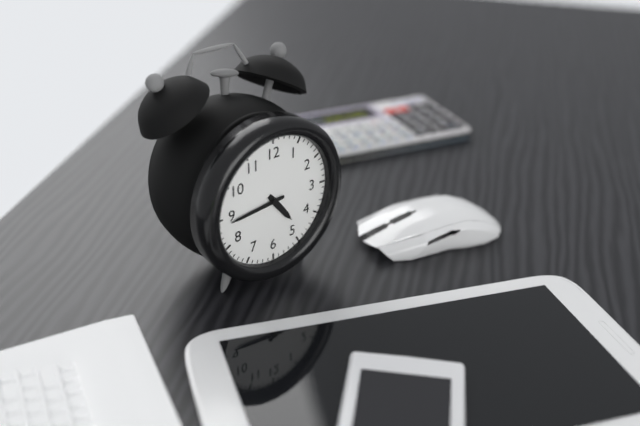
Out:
4 h 44 min
